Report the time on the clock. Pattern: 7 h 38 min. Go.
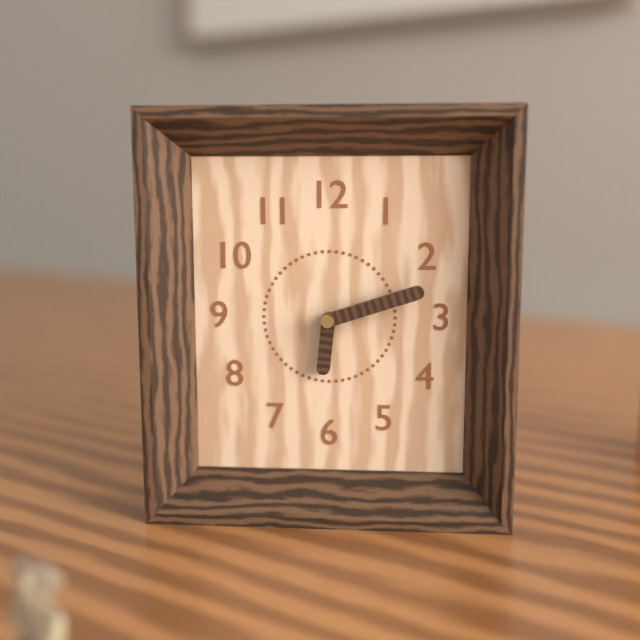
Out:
6 h 12 min
